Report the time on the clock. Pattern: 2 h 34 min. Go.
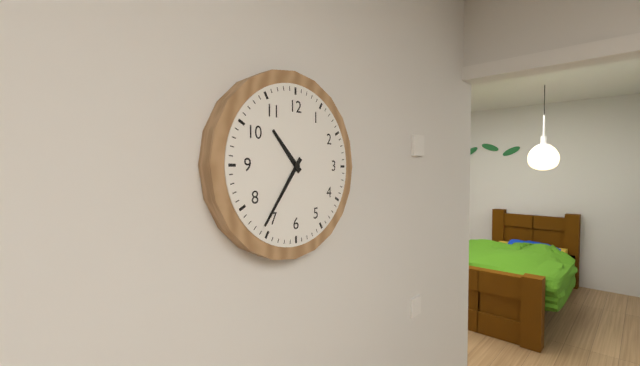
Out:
10 h 36 min
